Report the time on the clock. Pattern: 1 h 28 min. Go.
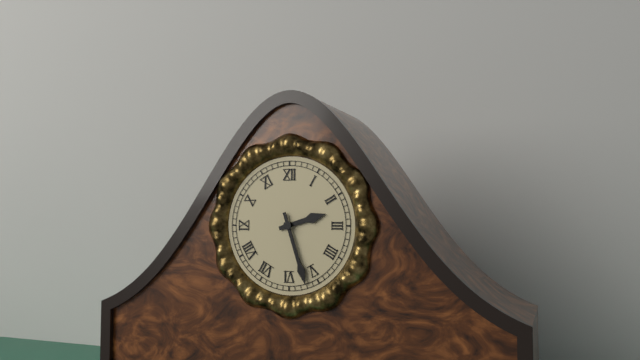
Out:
2 h 27 min
